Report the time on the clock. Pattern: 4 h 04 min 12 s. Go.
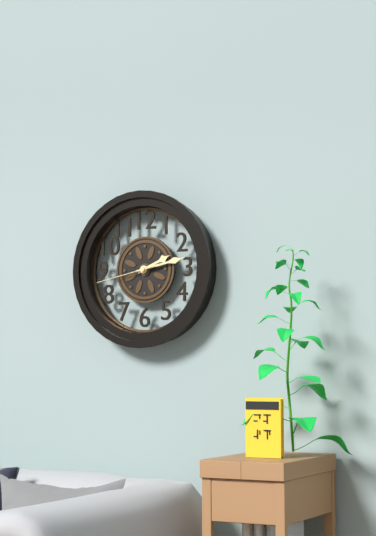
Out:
2 h 13 min 43 s
